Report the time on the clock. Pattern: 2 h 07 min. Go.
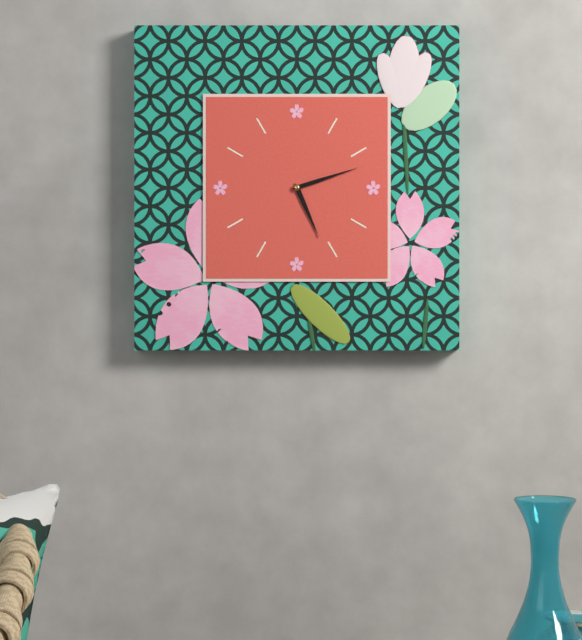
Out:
5 h 12 min
